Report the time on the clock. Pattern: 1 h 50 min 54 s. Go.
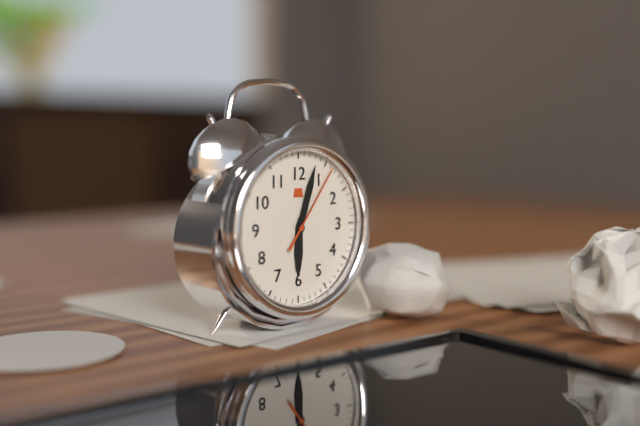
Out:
6 h 03 min 06 s
